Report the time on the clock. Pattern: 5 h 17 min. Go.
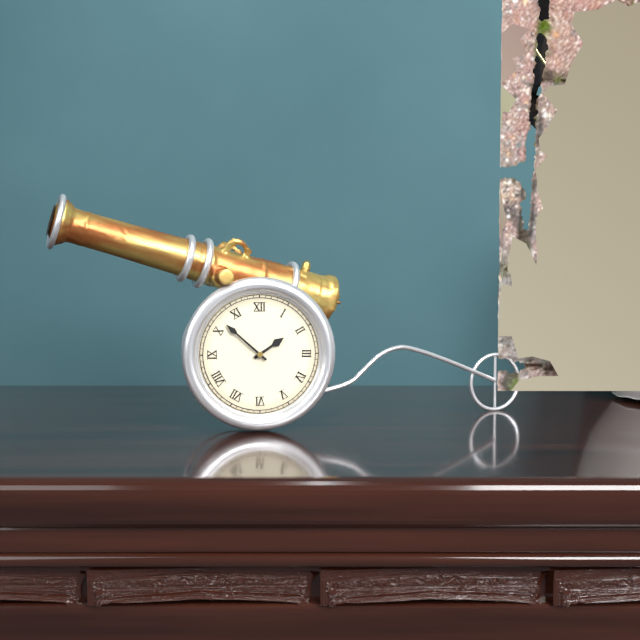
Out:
1 h 52 min
